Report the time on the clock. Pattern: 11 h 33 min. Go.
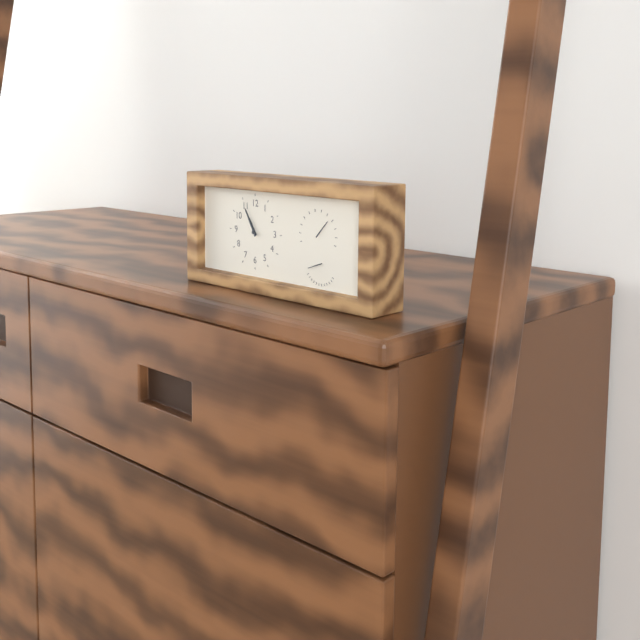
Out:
10 h 55 min
